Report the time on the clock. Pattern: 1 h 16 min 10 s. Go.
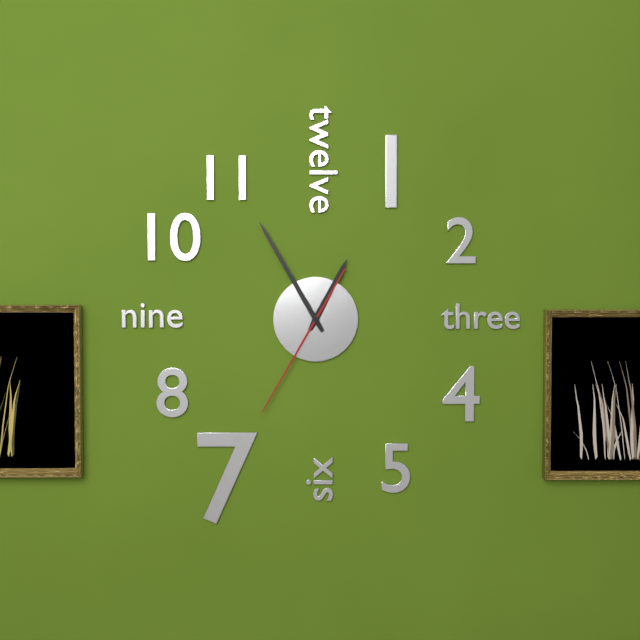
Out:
12 h 55 min 35 s
